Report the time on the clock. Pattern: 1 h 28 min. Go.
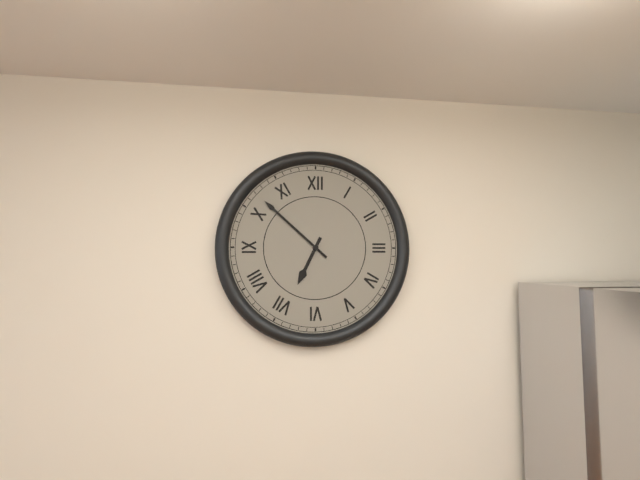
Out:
6 h 52 min
